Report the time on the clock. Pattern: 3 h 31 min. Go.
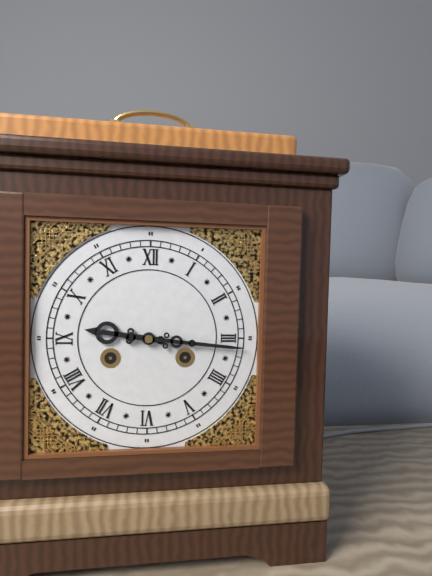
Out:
9 h 16 min
